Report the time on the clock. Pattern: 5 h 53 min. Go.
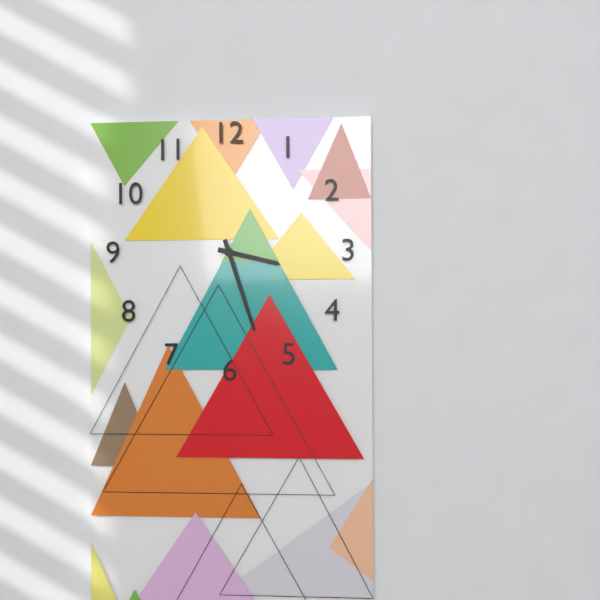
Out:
3 h 27 min
